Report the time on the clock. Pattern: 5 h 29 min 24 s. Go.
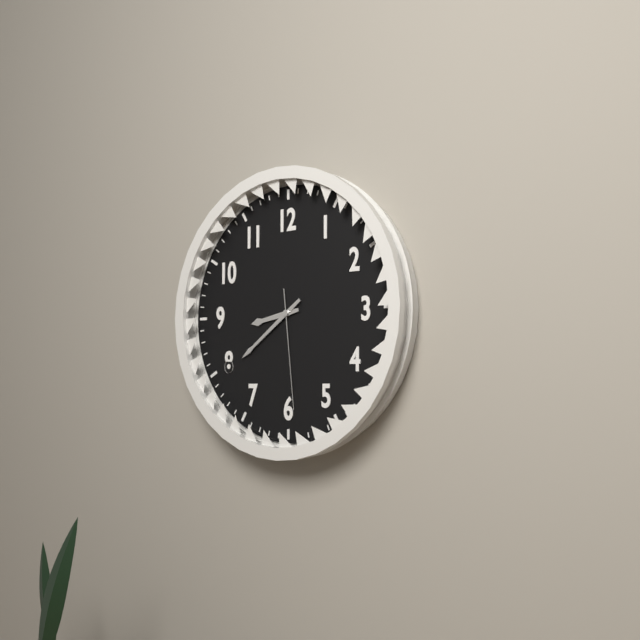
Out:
8 h 39 min 29 s
